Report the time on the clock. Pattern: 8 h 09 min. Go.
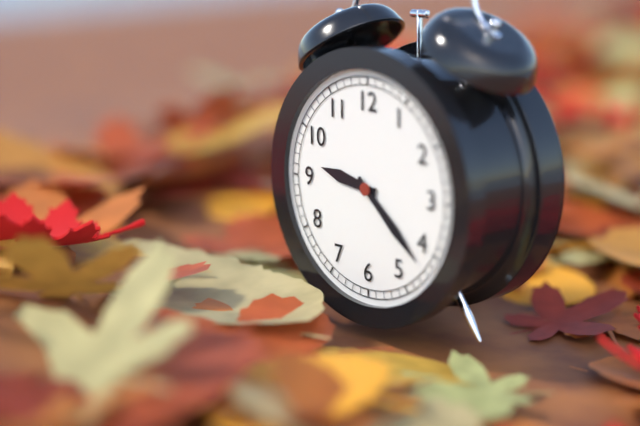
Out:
9 h 22 min
